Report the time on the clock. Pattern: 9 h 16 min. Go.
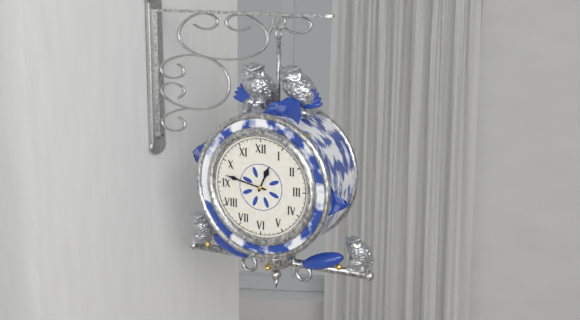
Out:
12 h 47 min
